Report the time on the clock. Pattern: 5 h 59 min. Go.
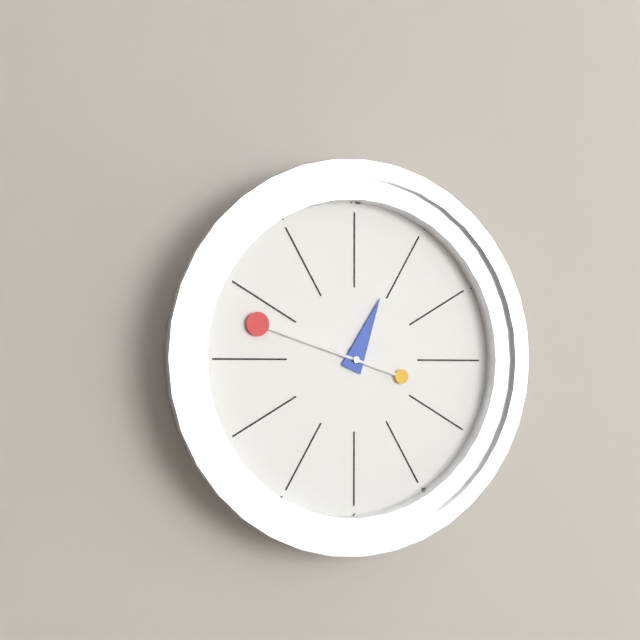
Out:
12 h 48 min
